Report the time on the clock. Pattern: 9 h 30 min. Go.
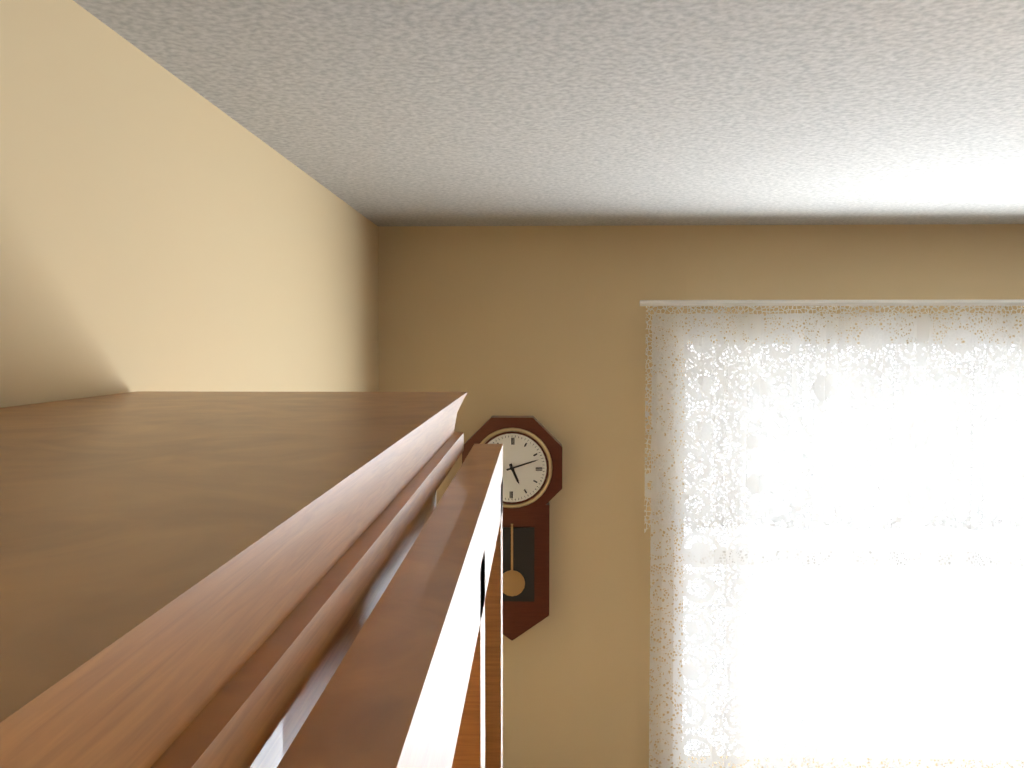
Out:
5 h 12 min
